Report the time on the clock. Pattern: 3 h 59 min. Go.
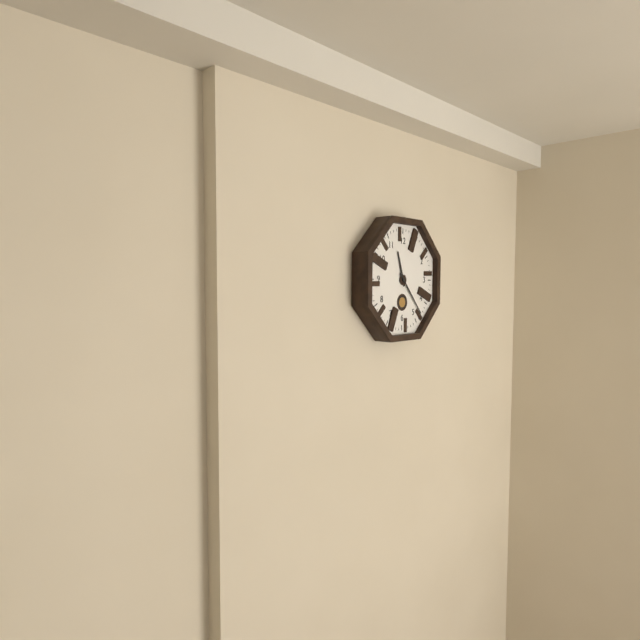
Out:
11 h 23 min
